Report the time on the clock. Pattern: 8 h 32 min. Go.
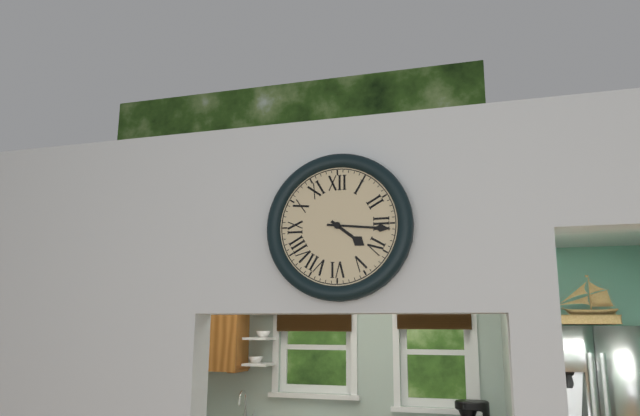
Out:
4 h 16 min
